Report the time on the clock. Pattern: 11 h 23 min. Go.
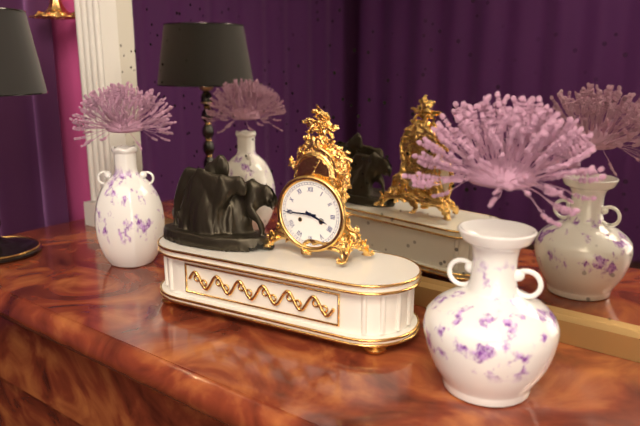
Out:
3 h 45 min
